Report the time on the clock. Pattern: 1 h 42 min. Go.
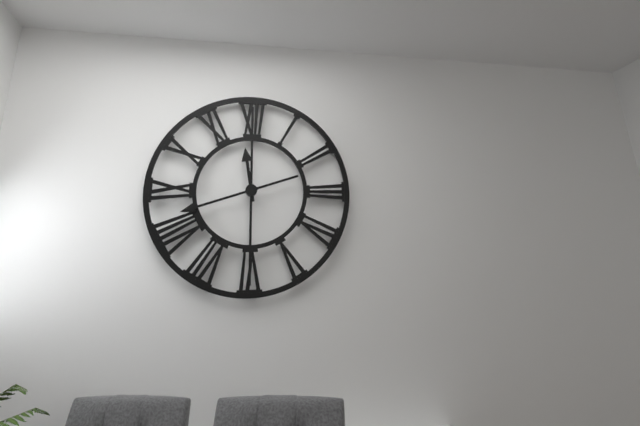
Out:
11 h 42 min
